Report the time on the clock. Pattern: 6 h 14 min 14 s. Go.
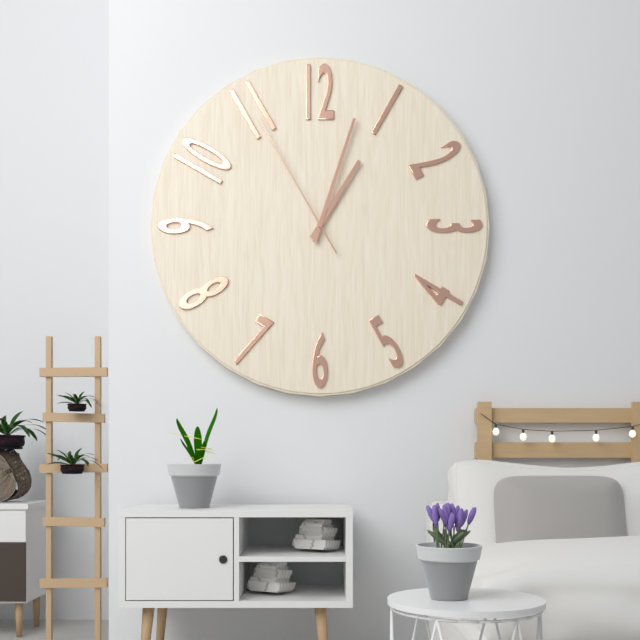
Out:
1 h 03 min 55 s
